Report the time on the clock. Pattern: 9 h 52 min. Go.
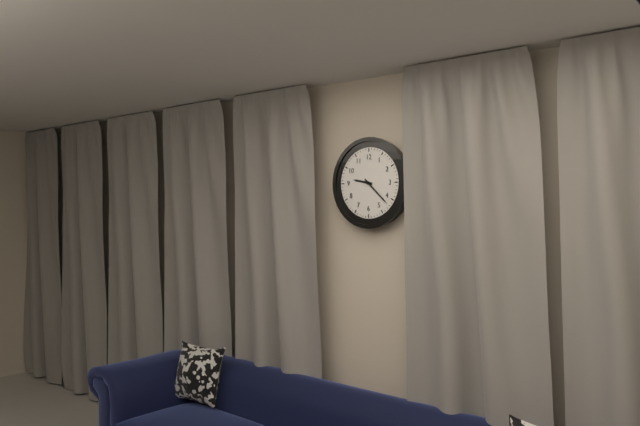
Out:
9 h 22 min
